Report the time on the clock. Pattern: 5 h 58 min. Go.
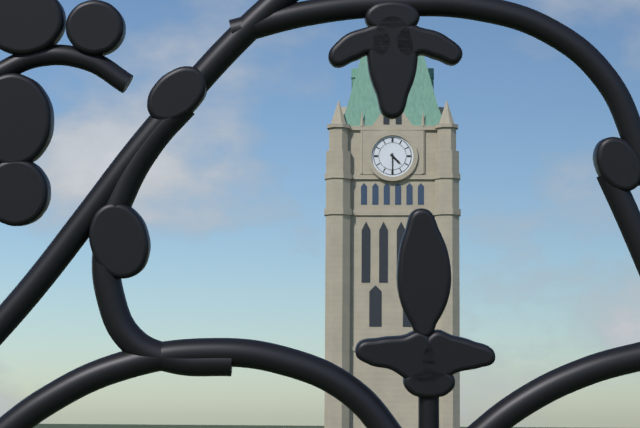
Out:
4 h 30 min
